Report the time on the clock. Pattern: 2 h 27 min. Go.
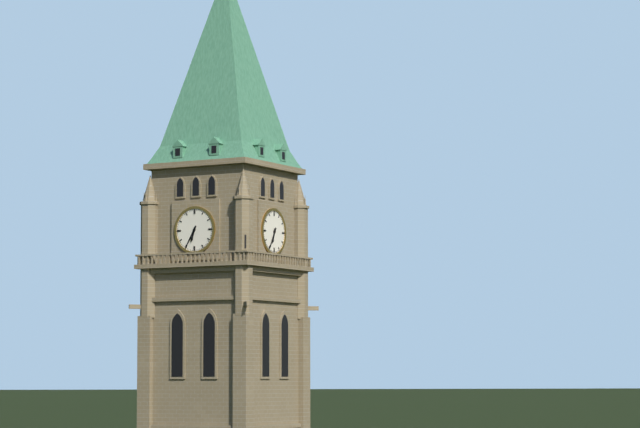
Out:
6 h 35 min
